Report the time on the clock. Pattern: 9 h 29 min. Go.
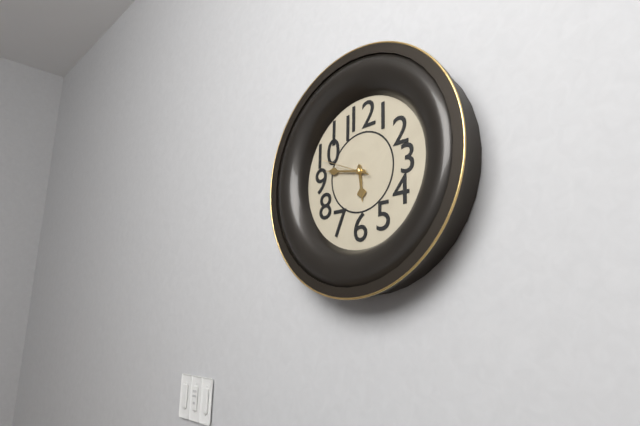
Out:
5 h 47 min
